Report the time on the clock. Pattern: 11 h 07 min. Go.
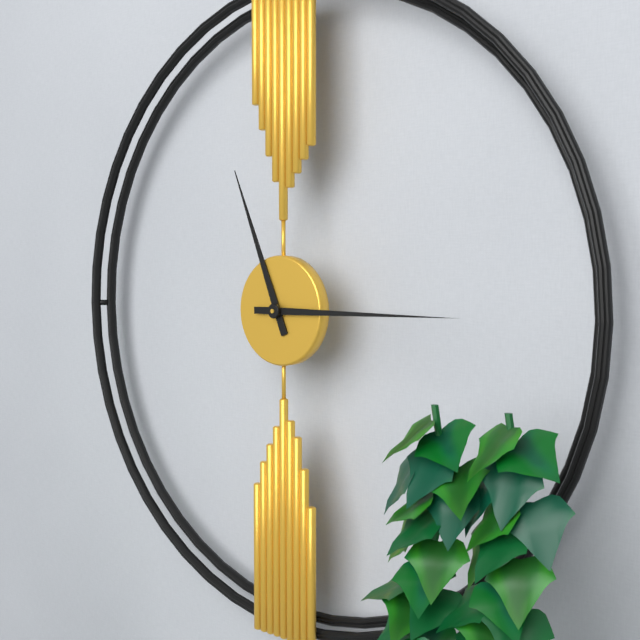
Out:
11 h 15 min
